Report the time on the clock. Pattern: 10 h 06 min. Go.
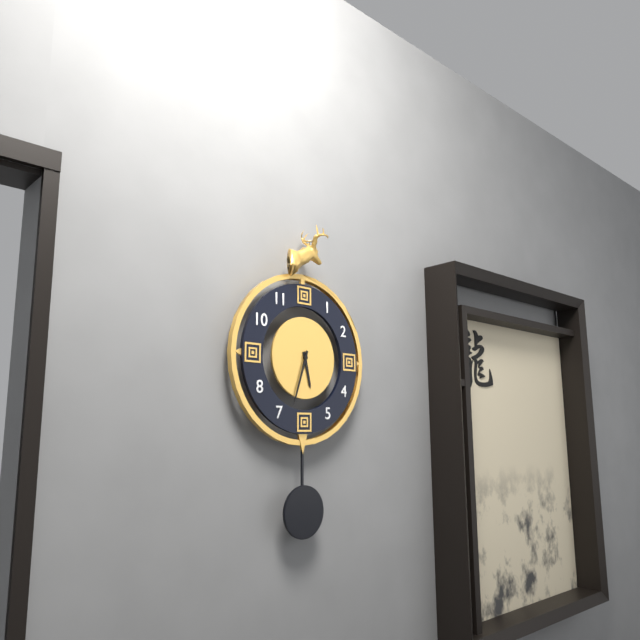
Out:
5 h 33 min
